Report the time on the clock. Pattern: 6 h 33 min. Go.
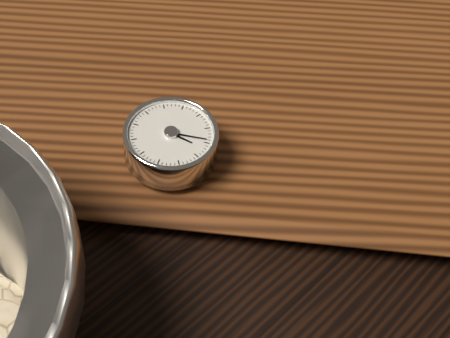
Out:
5 h 24 min
